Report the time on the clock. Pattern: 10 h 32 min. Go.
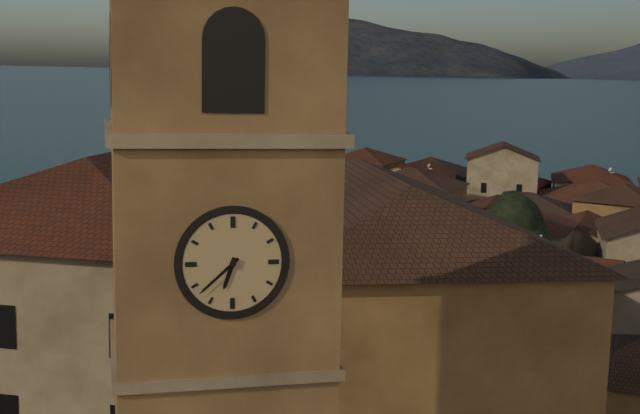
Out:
6 h 38 min
